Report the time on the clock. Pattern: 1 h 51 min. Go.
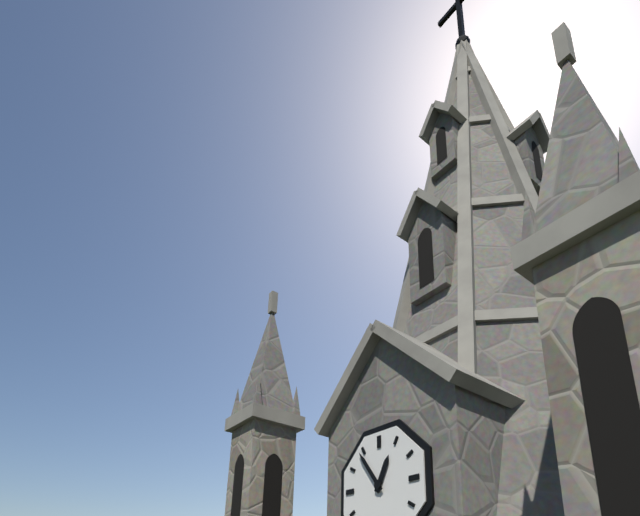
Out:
12 h 54 min
